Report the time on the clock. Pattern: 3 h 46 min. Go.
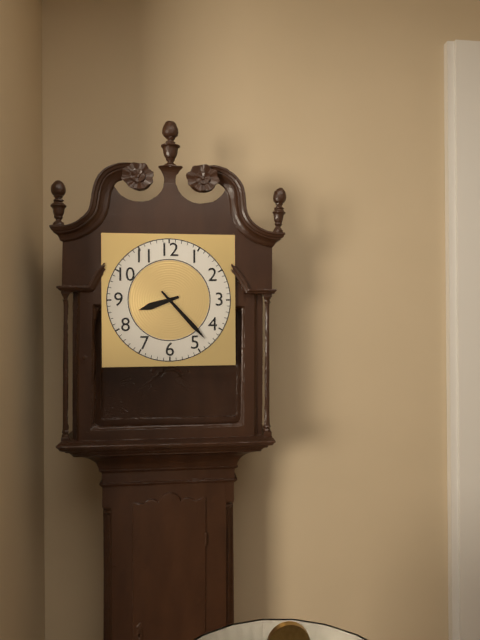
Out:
8 h 23 min
